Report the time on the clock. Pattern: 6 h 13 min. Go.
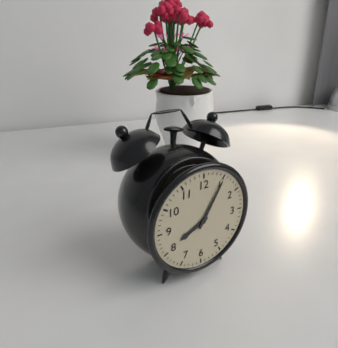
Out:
8 h 05 min
